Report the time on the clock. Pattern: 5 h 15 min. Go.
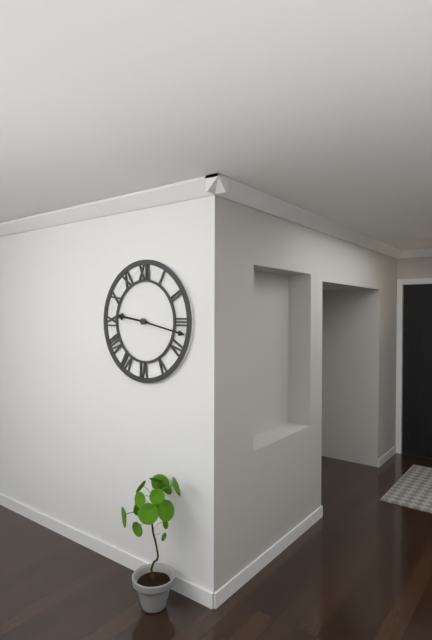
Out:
9 h 17 min
